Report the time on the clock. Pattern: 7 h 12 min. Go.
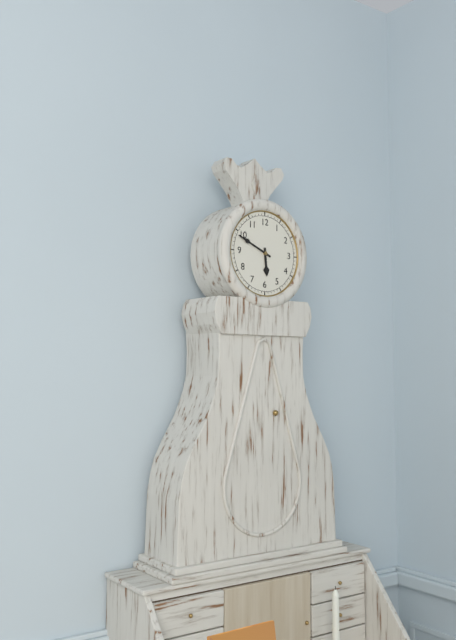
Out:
5 h 49 min
